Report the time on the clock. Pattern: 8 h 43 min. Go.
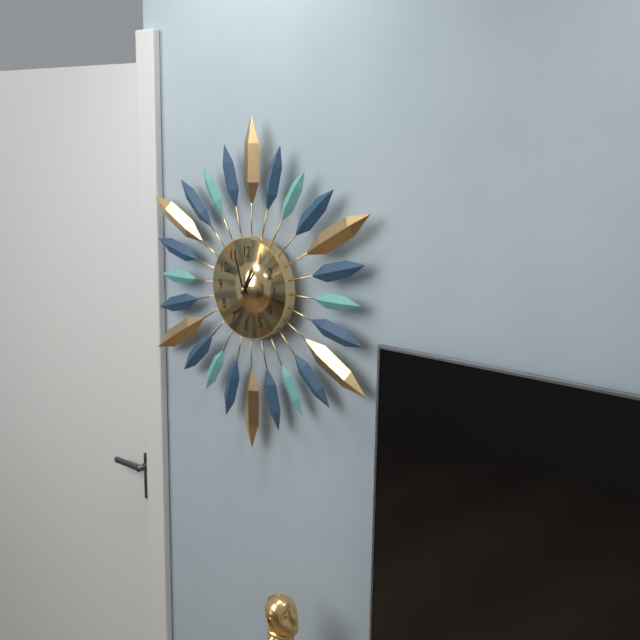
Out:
12 h 57 min
